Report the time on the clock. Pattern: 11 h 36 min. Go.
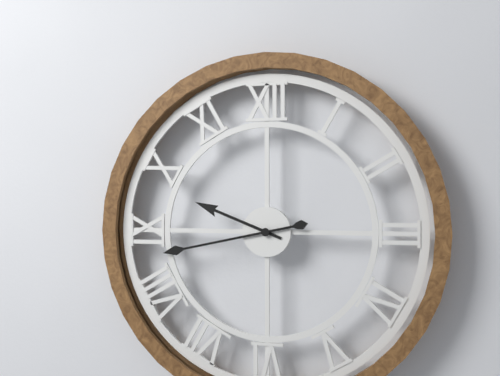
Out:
9 h 43 min
